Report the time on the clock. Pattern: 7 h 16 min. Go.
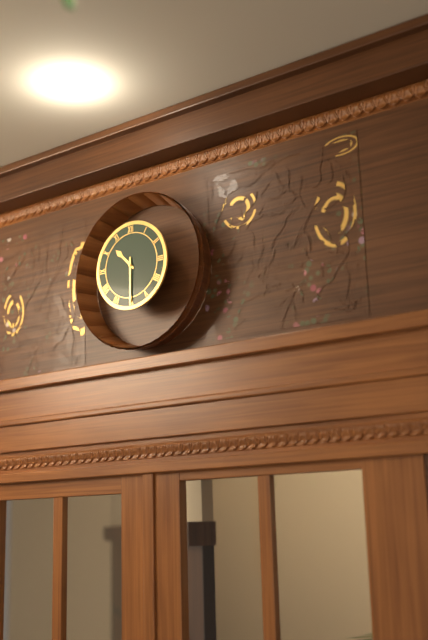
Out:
10 h 30 min
